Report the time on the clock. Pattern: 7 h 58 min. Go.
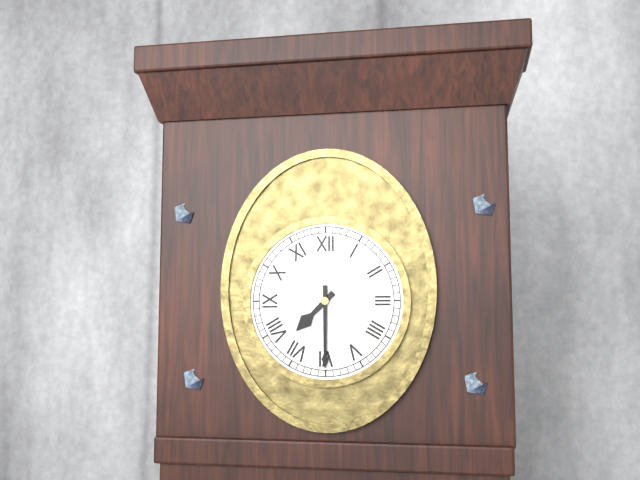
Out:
7 h 30 min
